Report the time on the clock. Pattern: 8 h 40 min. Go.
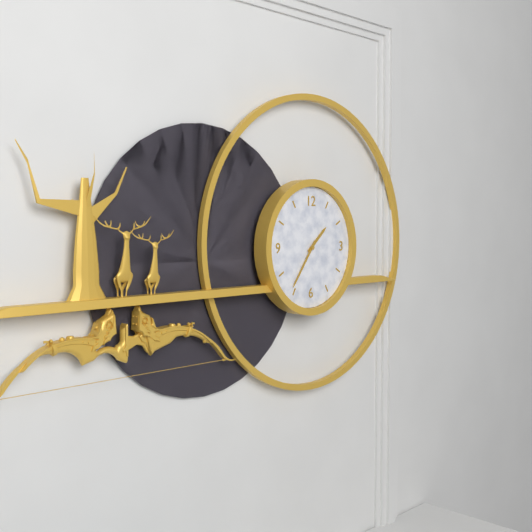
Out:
1 h 36 min
